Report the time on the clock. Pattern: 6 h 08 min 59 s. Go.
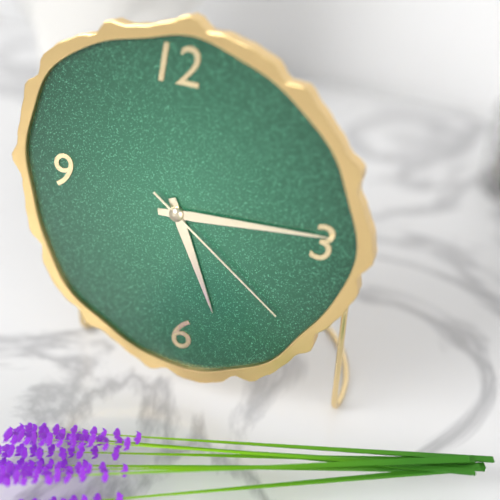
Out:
5 h 14 min 21 s
